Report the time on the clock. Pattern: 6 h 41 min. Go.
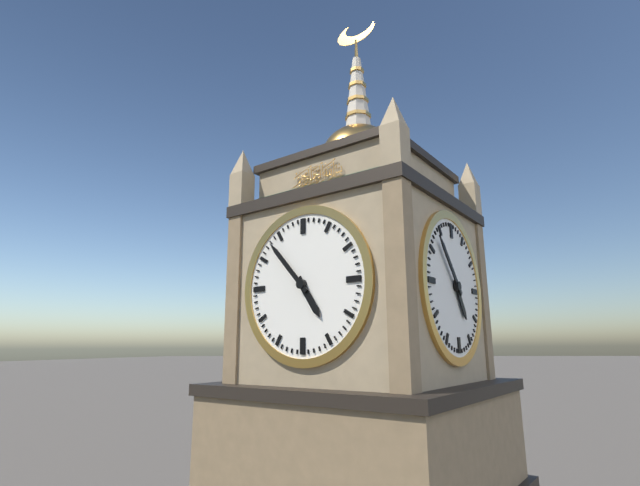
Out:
4 h 53 min
